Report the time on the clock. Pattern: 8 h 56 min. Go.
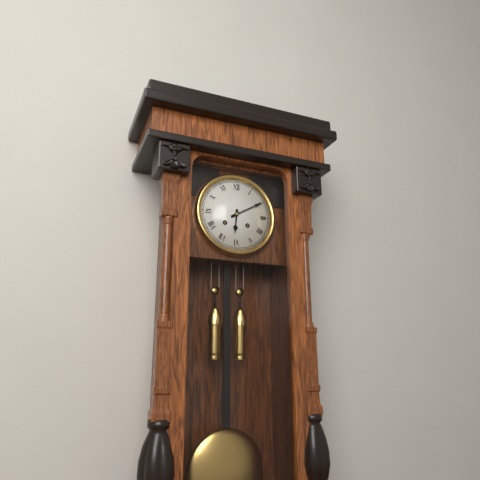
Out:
6 h 10 min
